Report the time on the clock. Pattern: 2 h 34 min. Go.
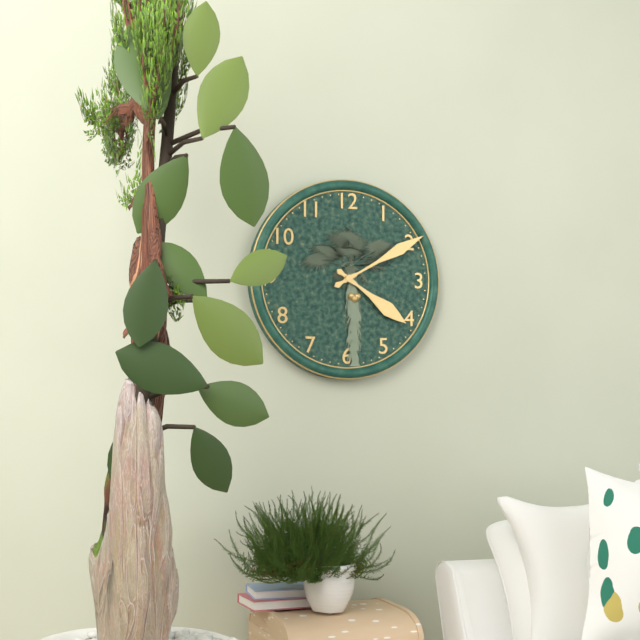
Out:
4 h 10 min
